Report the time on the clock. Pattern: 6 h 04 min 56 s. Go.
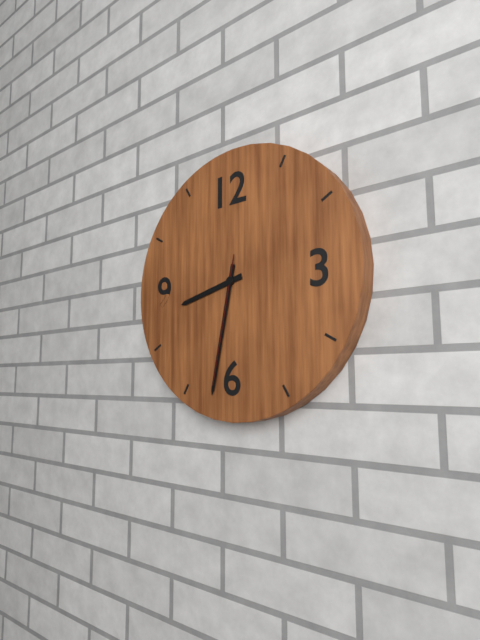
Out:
8 h 32 min 32 s
